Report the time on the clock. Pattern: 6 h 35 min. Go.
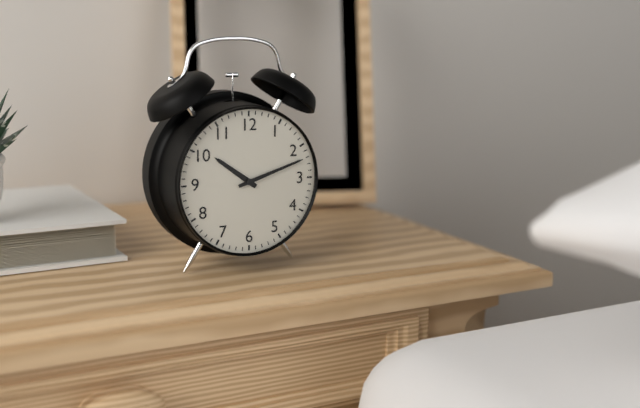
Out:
10 h 12 min
